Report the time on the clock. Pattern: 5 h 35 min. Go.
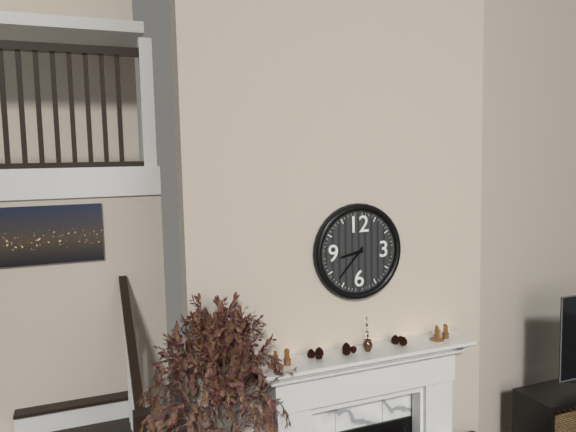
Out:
8 h 37 min
